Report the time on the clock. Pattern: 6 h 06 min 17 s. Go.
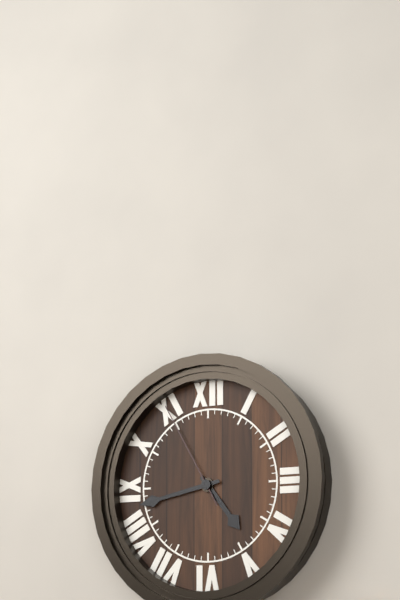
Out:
4 h 43 min 55 s
